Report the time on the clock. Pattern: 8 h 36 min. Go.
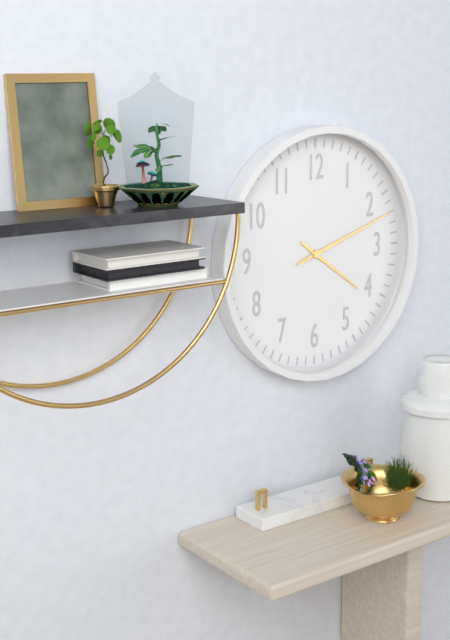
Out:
4 h 12 min
